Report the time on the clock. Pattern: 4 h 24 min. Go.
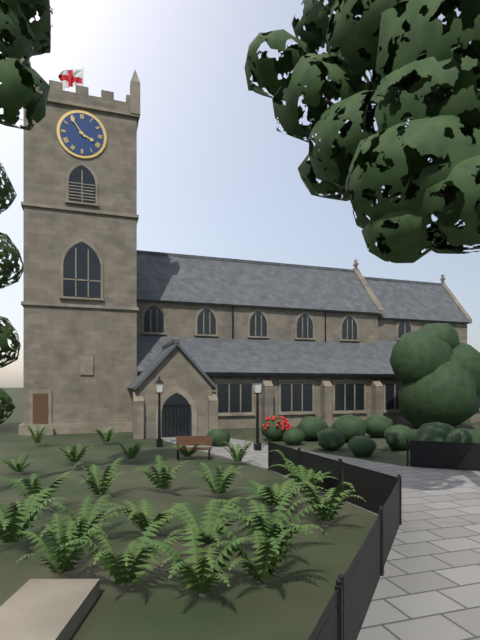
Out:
3 h 54 min
